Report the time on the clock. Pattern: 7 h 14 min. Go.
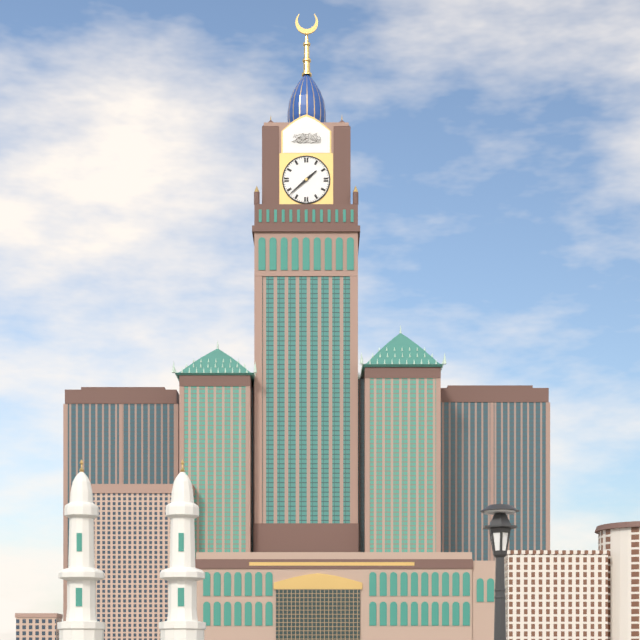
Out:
1 h 38 min
